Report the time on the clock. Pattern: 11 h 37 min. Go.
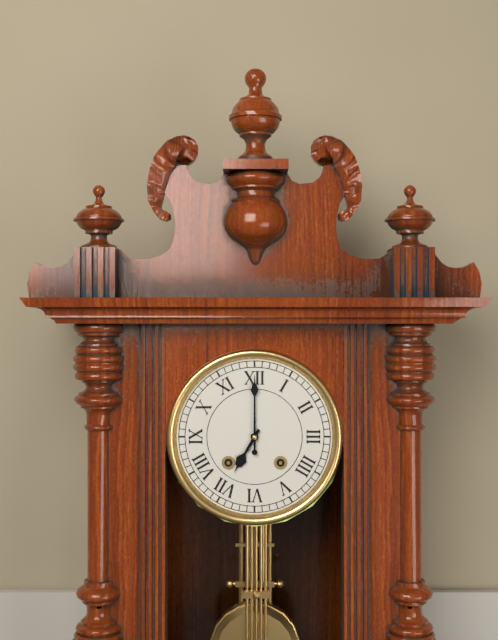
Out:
7 h 00 min
